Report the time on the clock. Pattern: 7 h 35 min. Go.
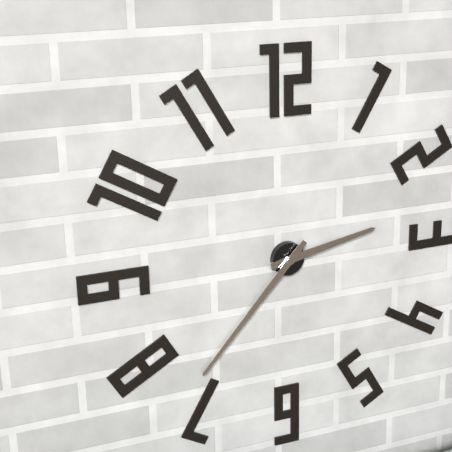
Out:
2 h 37 min
